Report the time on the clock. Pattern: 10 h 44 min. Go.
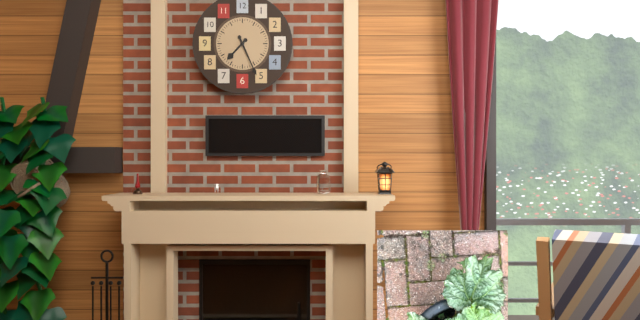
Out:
7 h 26 min
